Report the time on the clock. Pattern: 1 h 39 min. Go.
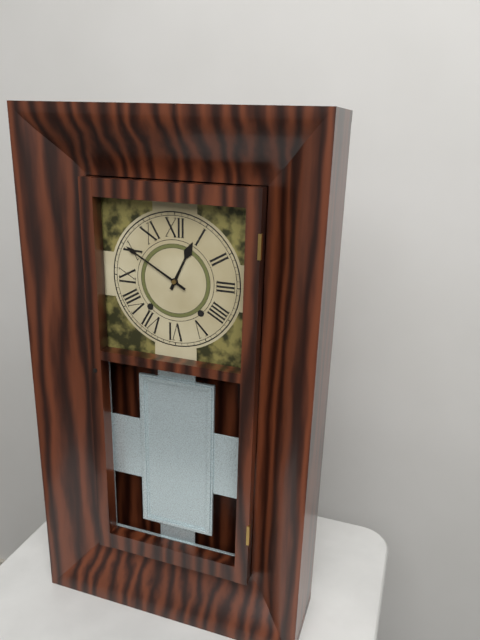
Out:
12 h 50 min
